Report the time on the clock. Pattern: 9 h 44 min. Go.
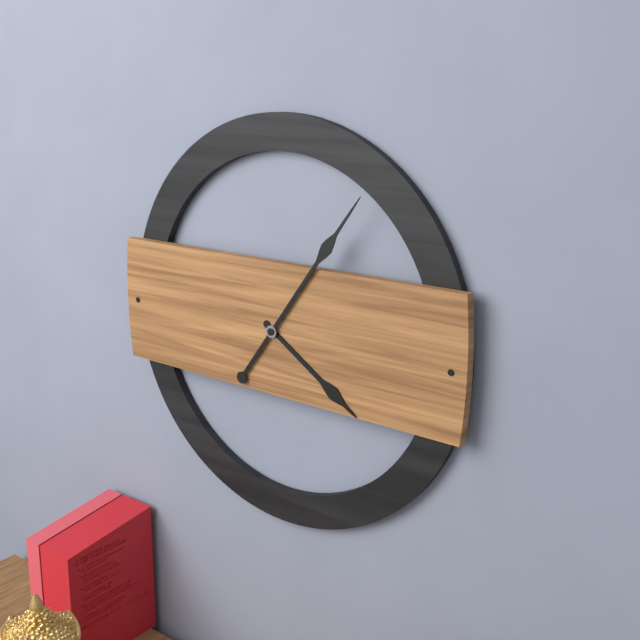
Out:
4 h 06 min
